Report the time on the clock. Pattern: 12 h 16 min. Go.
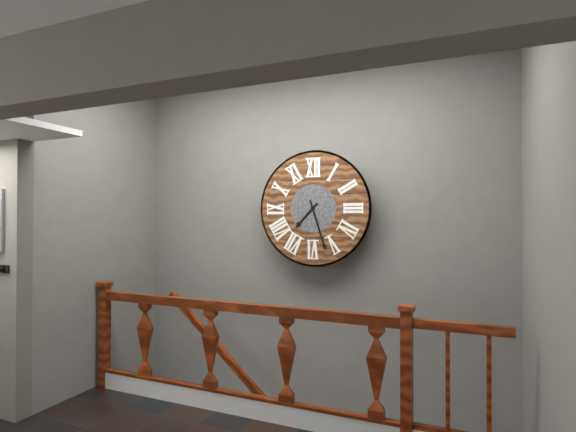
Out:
7 h 27 min
